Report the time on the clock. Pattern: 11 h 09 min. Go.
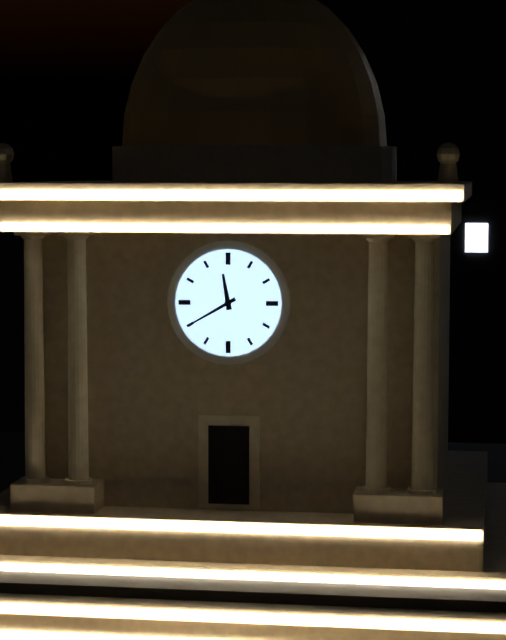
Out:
11 h 40 min
